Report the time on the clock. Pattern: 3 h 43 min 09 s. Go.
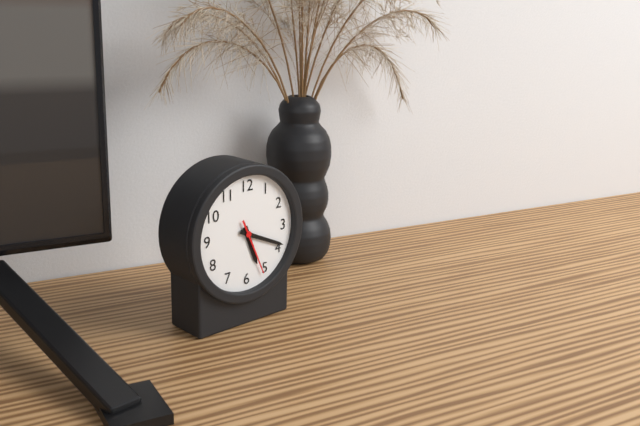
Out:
5 h 19 min 26 s
